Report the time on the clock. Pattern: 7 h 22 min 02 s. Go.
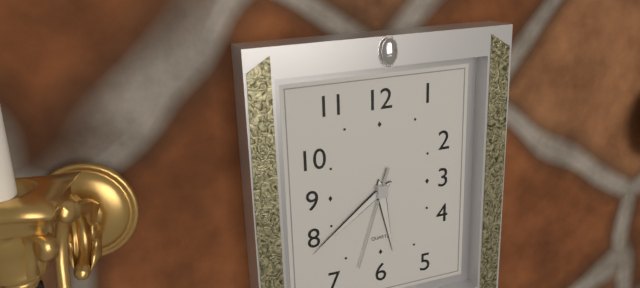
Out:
5 h 39 min 33 s
